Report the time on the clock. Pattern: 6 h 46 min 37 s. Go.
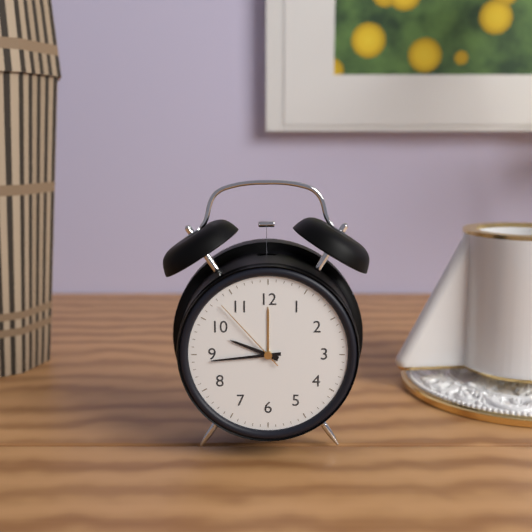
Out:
9 h 44 min 53 s
